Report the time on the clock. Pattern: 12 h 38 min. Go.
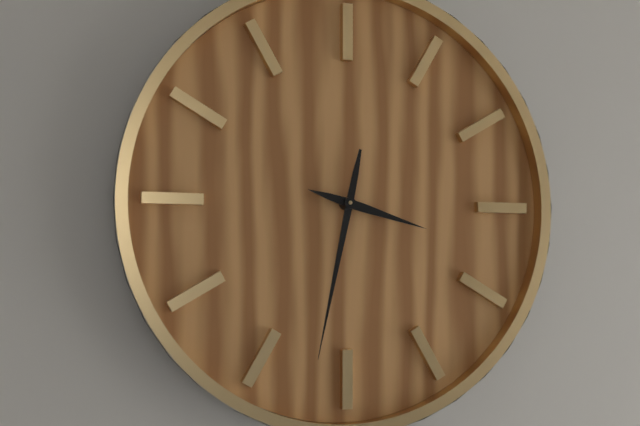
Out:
3 h 32 min
